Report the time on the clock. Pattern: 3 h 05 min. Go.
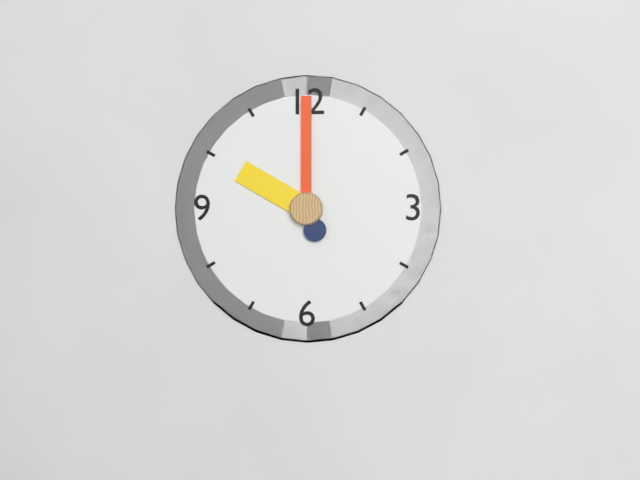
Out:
10 h 00 min
